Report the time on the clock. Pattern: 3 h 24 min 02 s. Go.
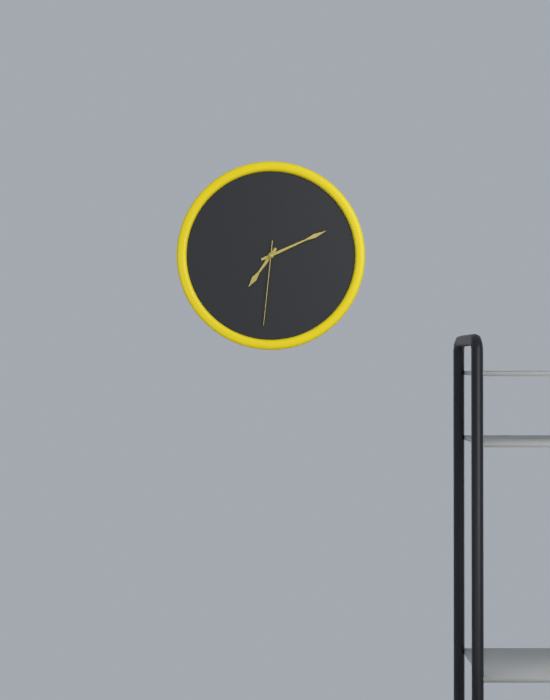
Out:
7 h 11 min 31 s
